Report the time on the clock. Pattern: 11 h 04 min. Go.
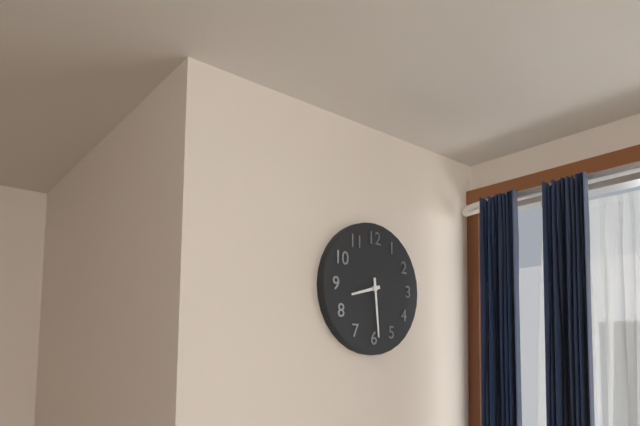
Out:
8 h 29 min
